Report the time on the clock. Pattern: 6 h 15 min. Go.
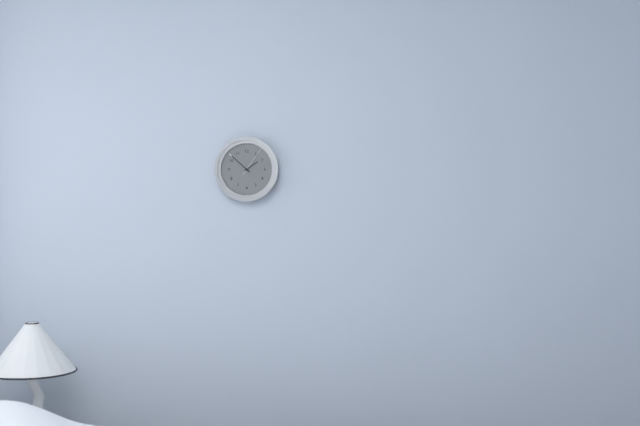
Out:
1 h 52 min
